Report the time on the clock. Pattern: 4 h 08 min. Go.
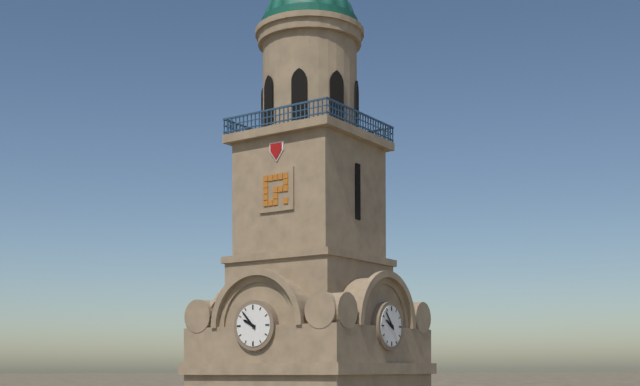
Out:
9 h 53 min
